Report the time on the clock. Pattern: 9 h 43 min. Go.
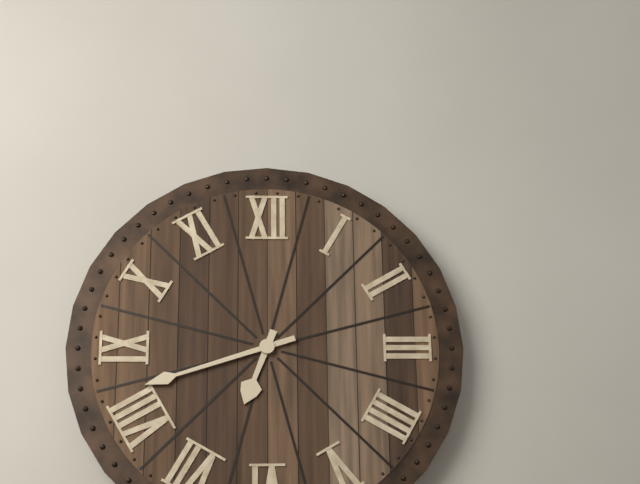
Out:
6 h 42 min
